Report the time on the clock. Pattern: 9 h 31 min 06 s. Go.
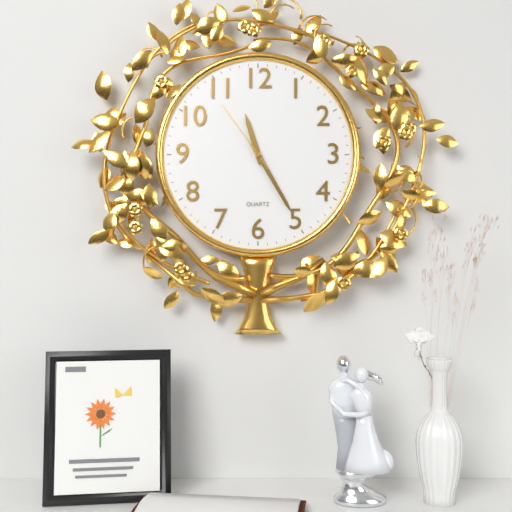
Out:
11 h 25 min 54 s
